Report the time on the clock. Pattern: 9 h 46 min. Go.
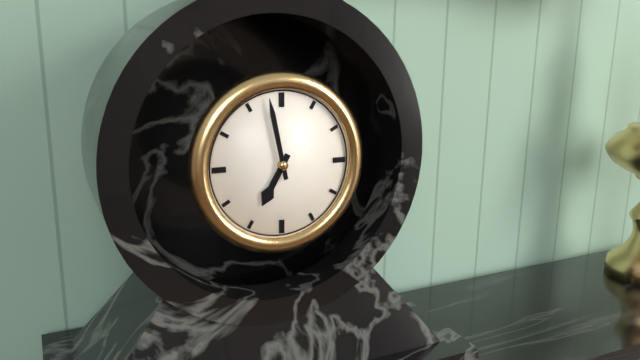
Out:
6 h 58 min
